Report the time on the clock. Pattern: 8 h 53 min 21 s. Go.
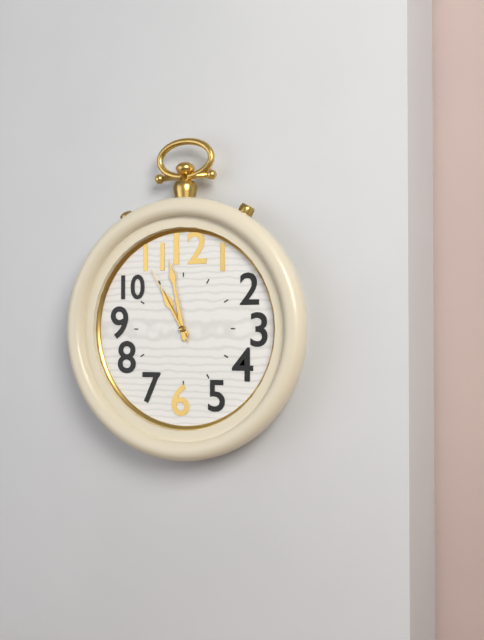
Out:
10 h 58 min 55 s
